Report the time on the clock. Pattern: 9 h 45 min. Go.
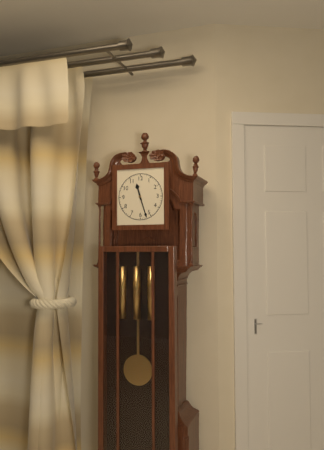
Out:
11 h 27 min
